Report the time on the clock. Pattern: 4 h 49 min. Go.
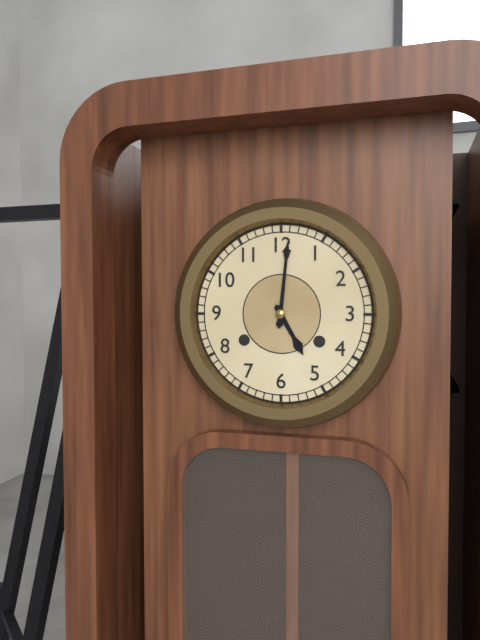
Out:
5 h 01 min
